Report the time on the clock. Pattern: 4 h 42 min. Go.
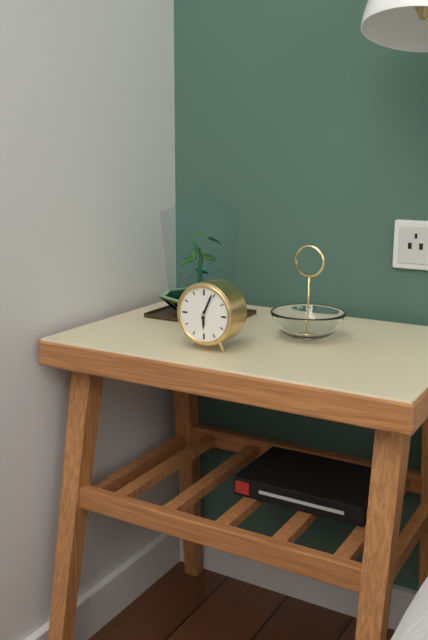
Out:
6 h 04 min
